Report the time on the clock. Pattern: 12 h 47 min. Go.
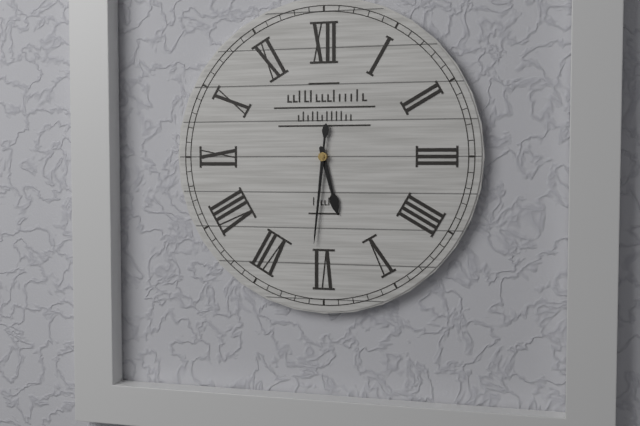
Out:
5 h 31 min
